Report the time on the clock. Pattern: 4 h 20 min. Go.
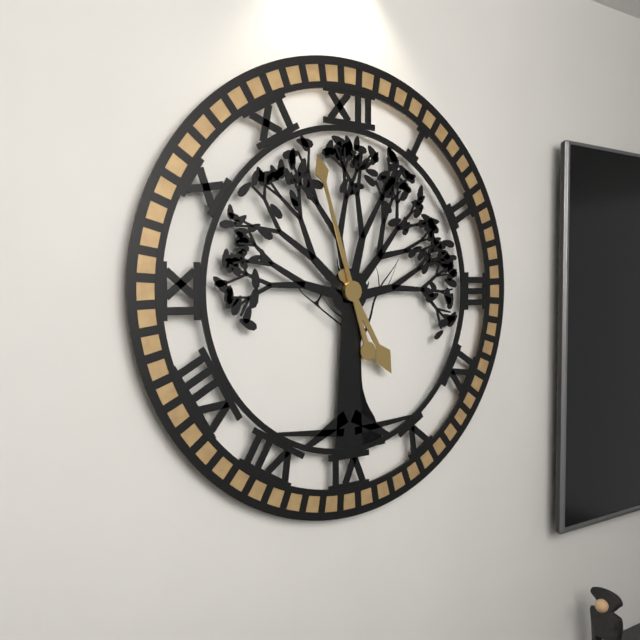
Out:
4 h 57 min
